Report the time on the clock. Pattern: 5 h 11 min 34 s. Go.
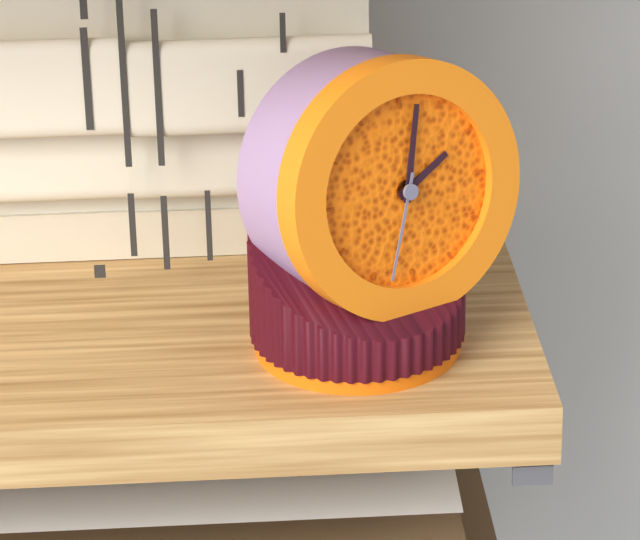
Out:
2 h 02 min 33 s
